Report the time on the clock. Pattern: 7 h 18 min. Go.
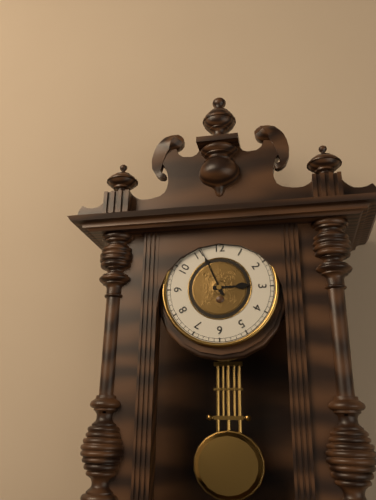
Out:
2 h 56 min
